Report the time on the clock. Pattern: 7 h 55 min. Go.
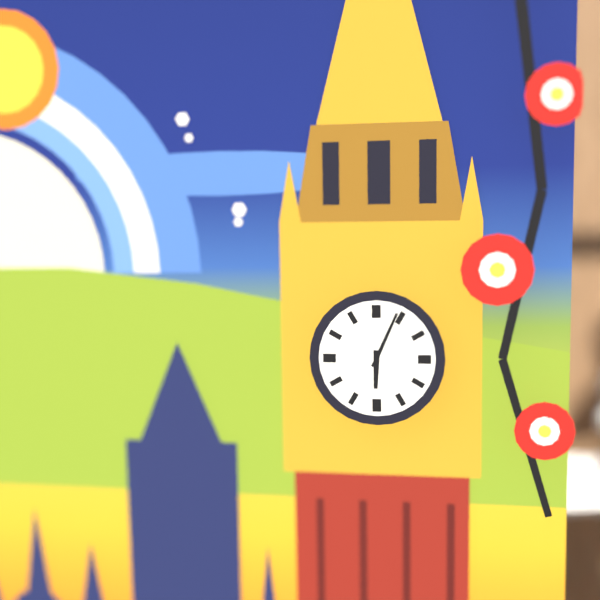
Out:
6 h 04 min
